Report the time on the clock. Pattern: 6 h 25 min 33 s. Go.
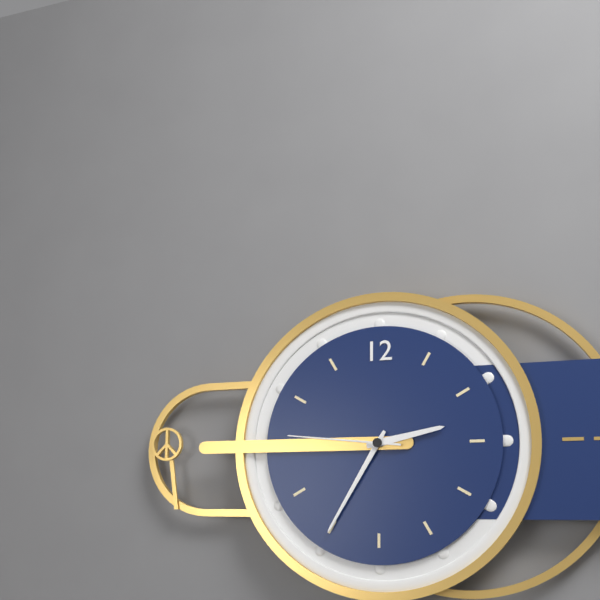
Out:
2 h 35 min 46 s
